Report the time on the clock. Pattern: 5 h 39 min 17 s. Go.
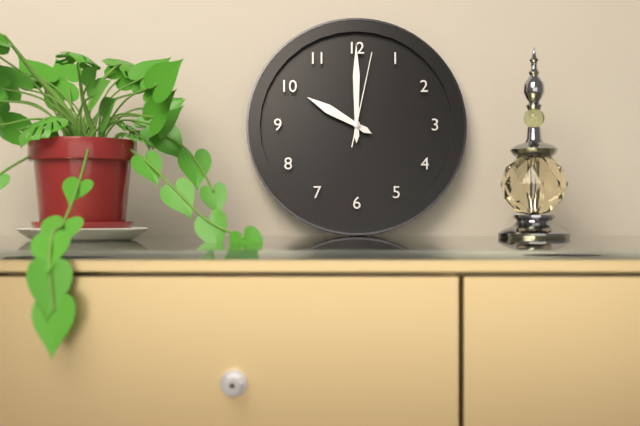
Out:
10 h 00 min 02 s
